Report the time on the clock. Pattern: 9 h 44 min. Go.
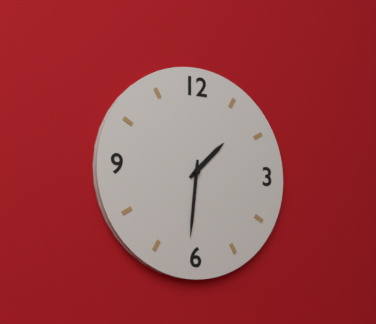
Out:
1 h 31 min
